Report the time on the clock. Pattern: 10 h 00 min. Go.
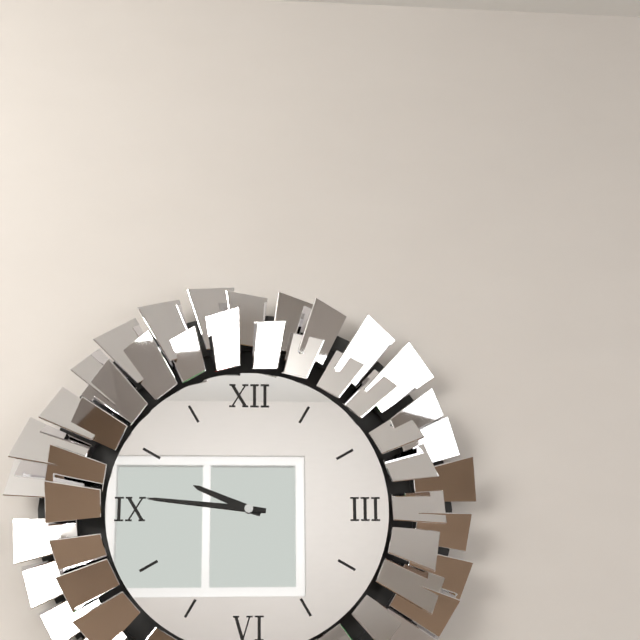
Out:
9 h 46 min
